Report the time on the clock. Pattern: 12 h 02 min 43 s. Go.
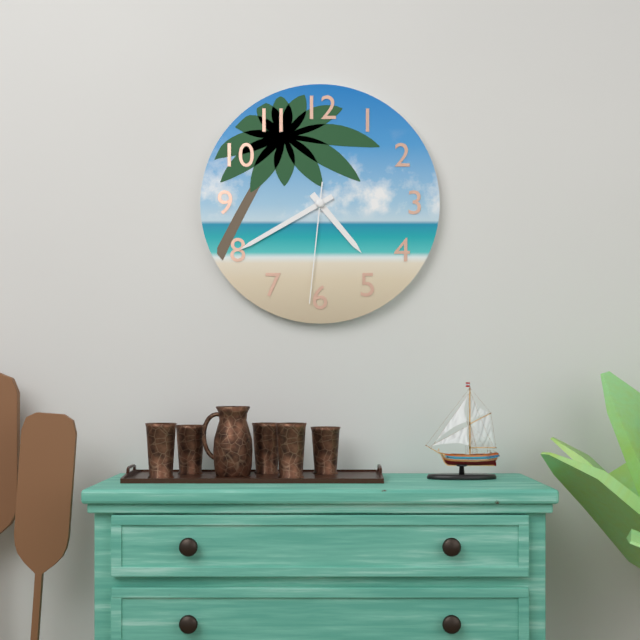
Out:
4 h 40 min 31 s
